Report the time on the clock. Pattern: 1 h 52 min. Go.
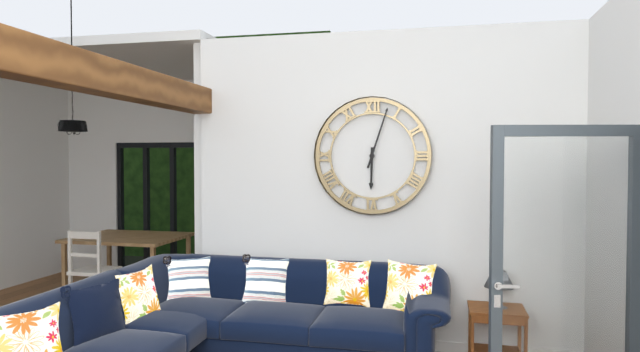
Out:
6 h 03 min
